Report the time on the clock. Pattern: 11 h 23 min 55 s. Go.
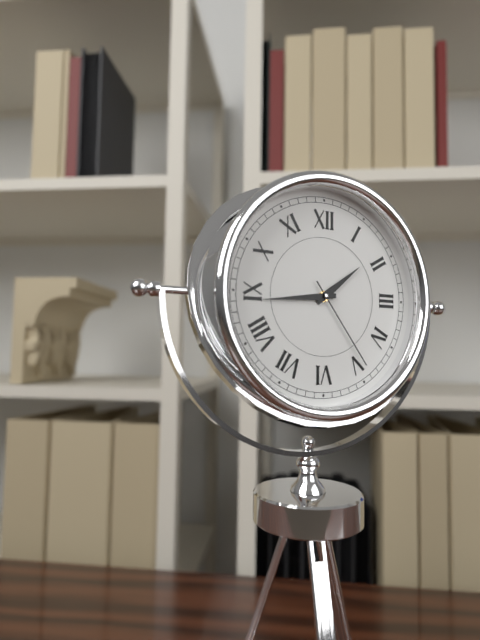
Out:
1 h 44 min 24 s
